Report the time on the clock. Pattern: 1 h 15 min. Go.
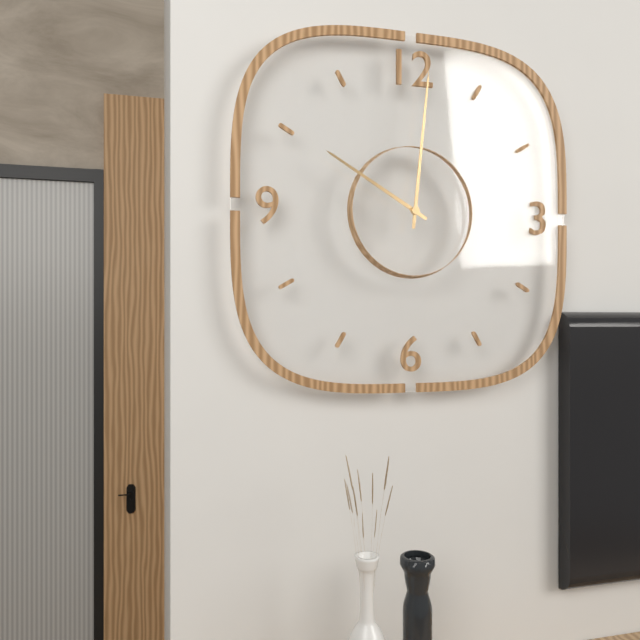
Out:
10 h 01 min
